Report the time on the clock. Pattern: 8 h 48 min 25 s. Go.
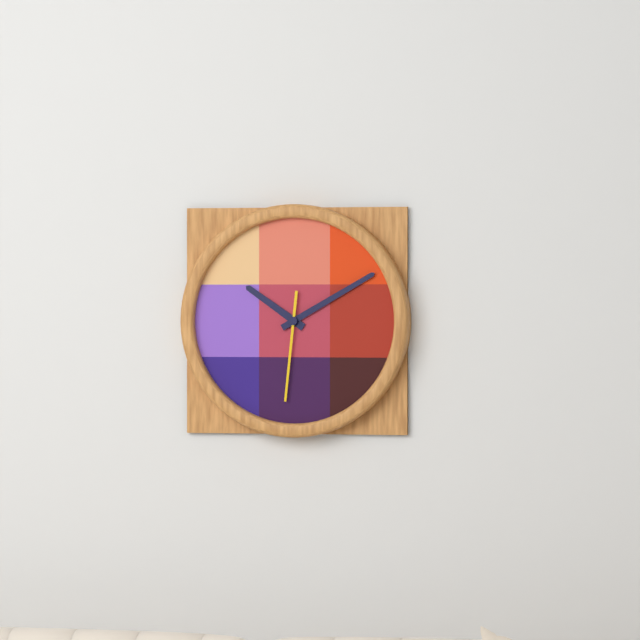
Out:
10 h 10 min 31 s
